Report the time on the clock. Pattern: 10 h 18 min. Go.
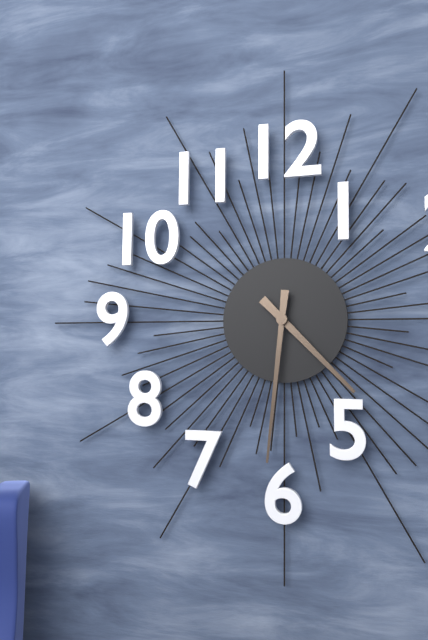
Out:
4 h 31 min
